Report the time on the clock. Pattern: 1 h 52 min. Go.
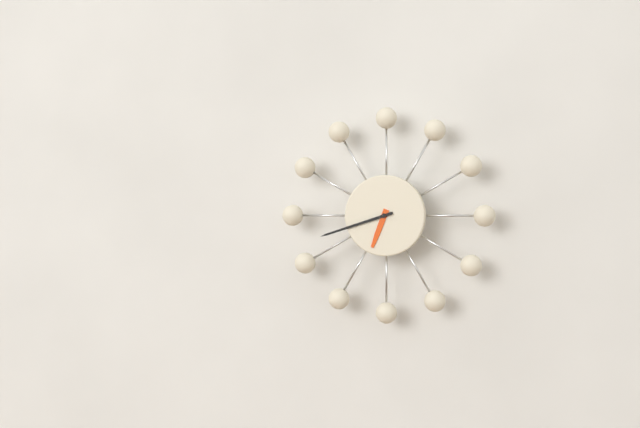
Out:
6 h 42 min
